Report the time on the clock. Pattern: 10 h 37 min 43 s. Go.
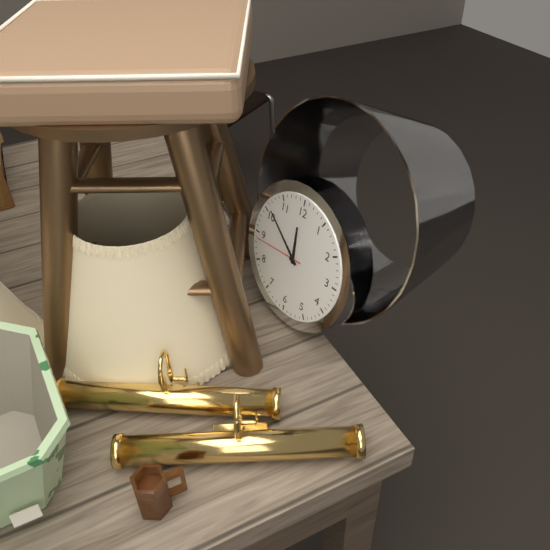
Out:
11 h 51 min 44 s
